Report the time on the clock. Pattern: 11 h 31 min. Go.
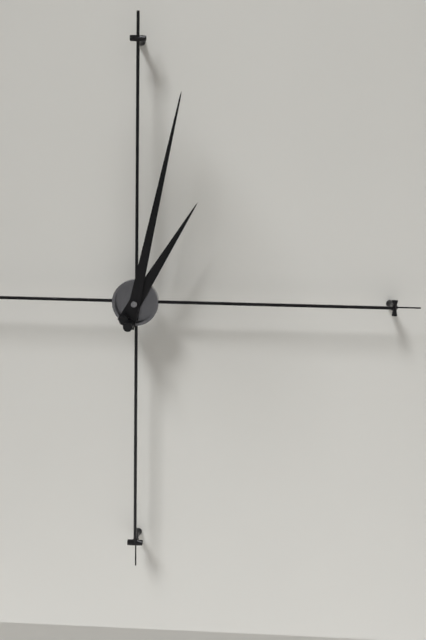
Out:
1 h 02 min
